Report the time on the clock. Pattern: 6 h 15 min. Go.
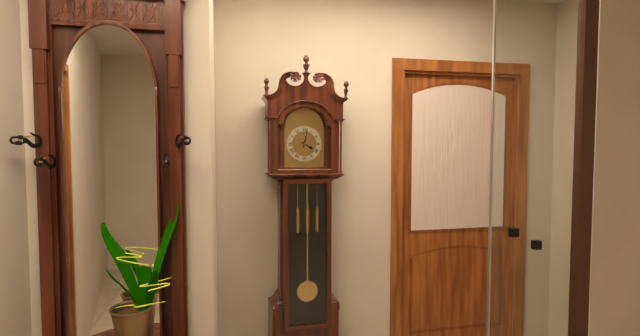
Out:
4 h 02 min
